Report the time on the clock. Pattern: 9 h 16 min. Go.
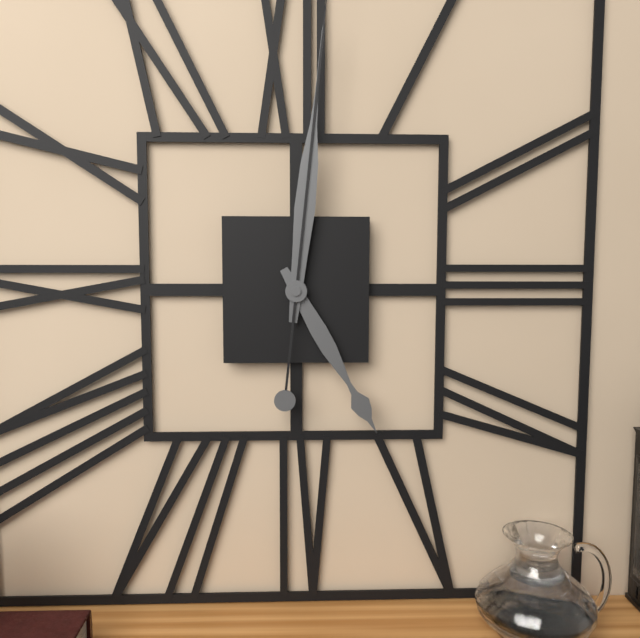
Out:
5 h 01 min
